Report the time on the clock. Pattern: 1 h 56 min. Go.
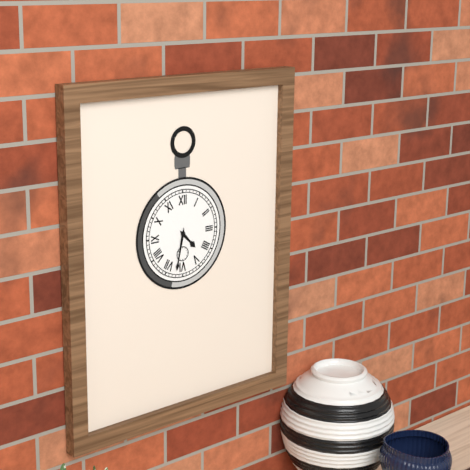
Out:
4 h 32 min
